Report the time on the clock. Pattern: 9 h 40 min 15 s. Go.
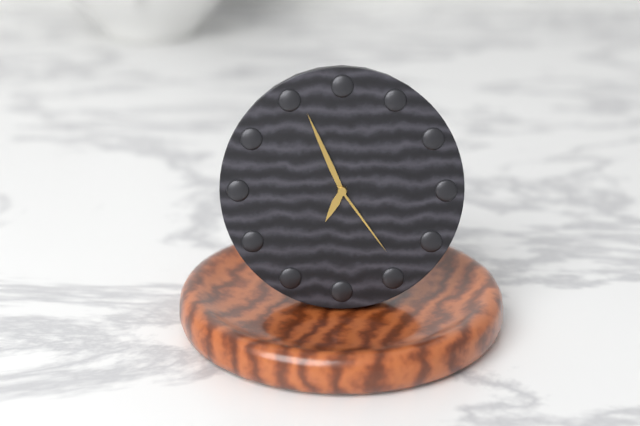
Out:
6 h 56 min 24 s
